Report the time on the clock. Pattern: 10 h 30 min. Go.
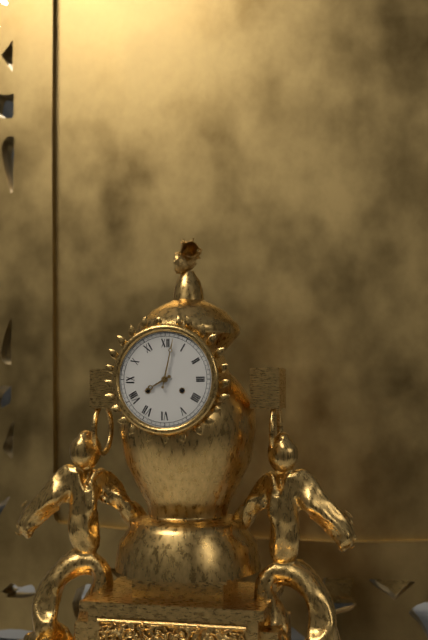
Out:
8 h 02 min
